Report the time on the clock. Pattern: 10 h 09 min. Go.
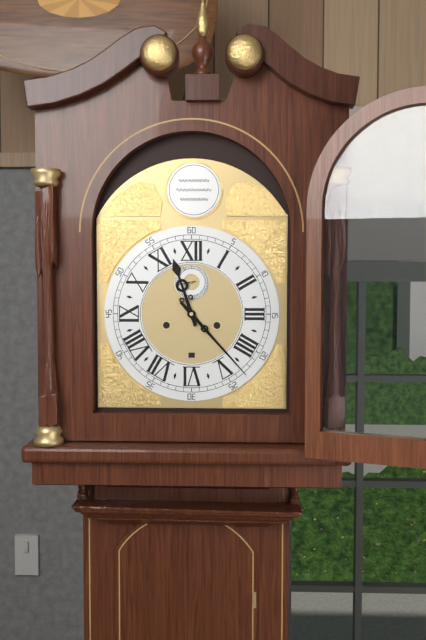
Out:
11 h 23 min
